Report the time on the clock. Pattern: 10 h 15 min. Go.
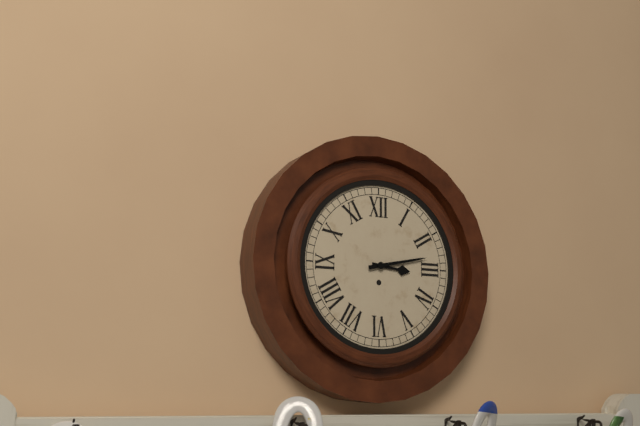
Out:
3 h 13 min
